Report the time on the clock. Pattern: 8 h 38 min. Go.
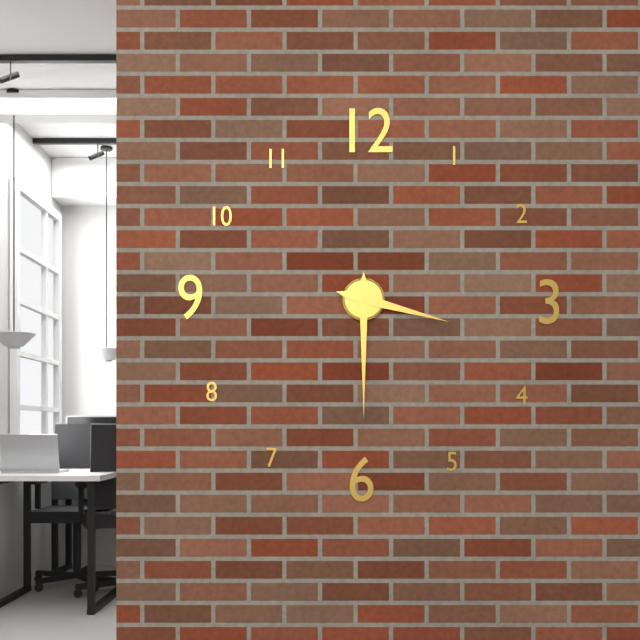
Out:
3 h 30 min
